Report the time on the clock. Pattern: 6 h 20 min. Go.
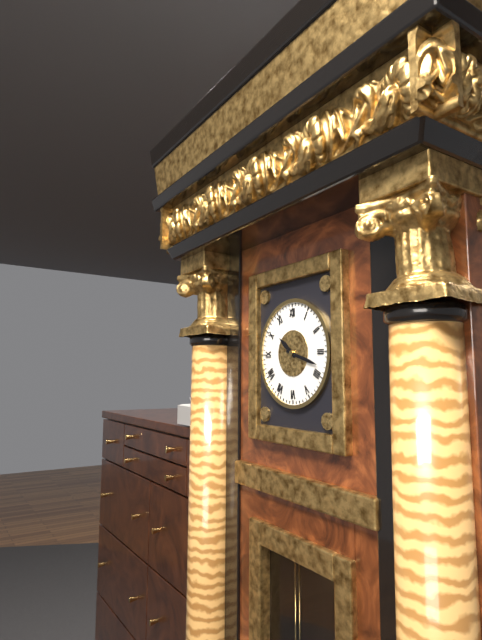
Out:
10 h 18 min
